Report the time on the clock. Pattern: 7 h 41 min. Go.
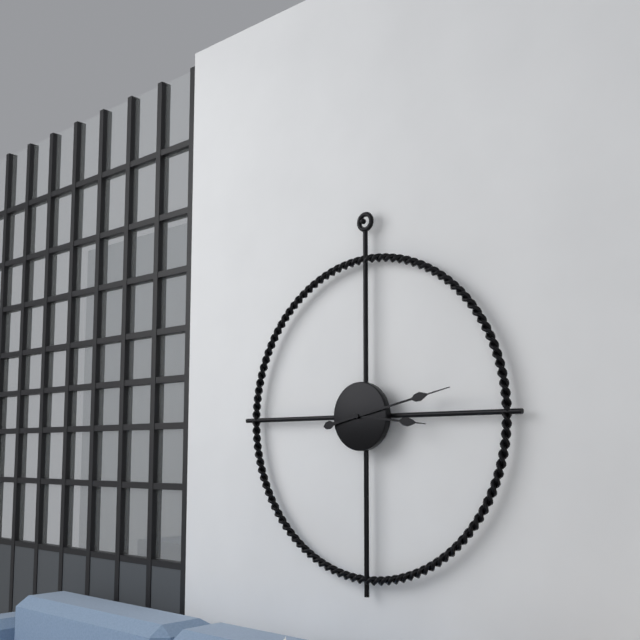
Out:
3 h 13 min
